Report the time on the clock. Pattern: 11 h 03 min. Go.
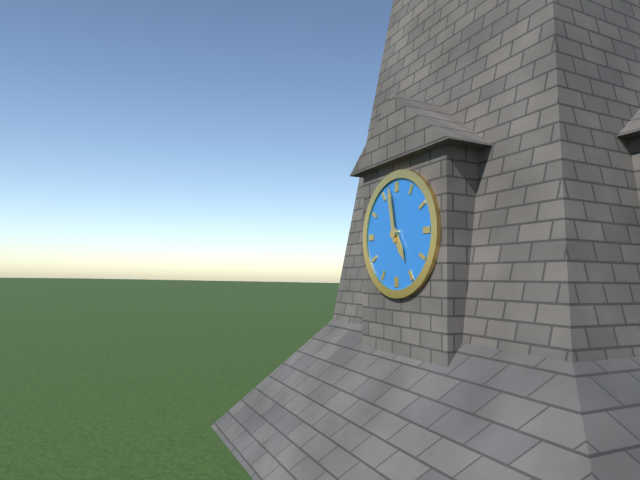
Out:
4 h 58 min
